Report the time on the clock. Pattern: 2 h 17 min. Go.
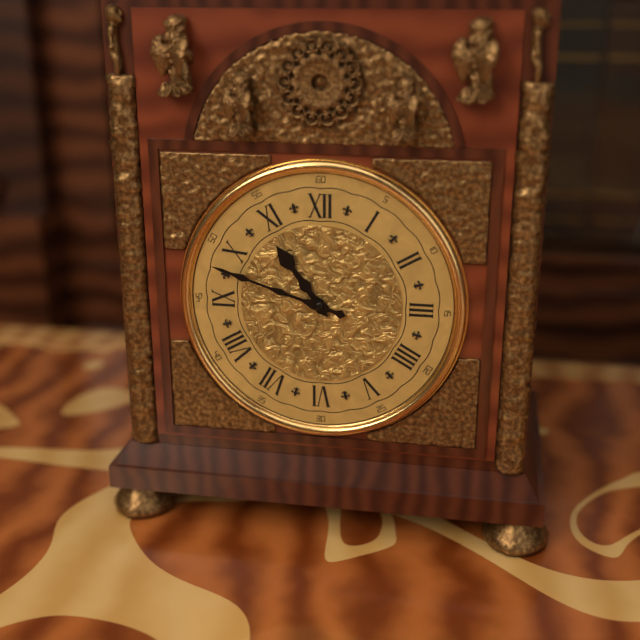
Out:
10 h 48 min
